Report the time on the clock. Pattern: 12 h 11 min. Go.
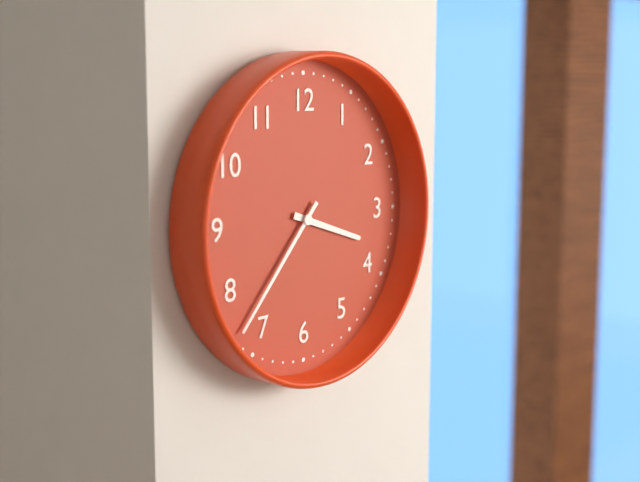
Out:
3 h 37 min
